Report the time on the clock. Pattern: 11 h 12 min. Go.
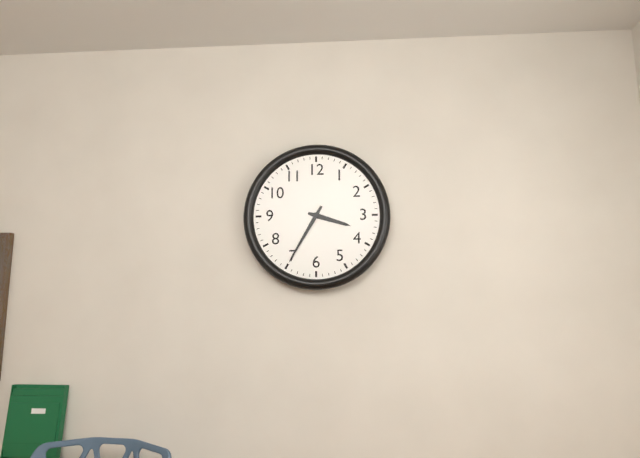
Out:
3 h 35 min
